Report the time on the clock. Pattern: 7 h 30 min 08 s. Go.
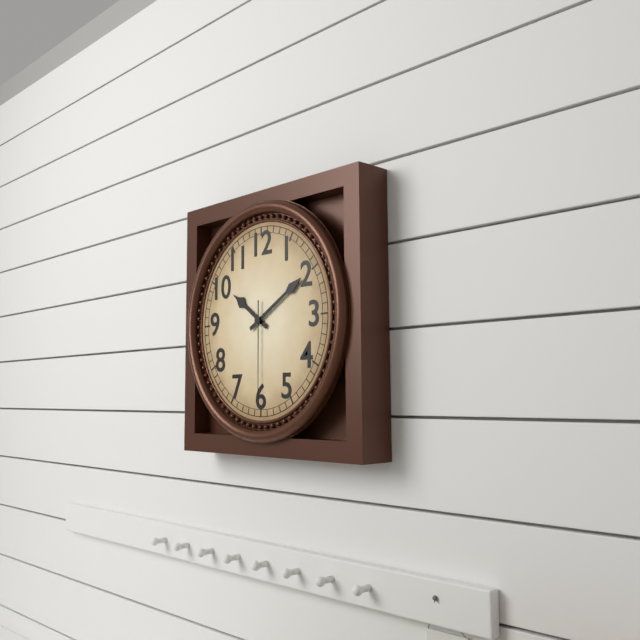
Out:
10 h 10 min 30 s
